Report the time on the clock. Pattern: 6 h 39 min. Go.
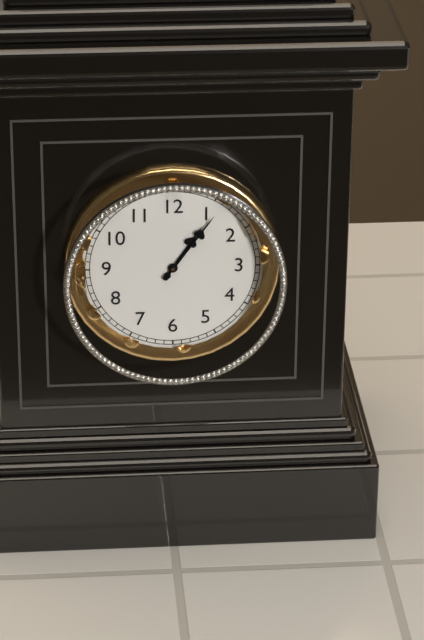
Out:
1 h 06 min
